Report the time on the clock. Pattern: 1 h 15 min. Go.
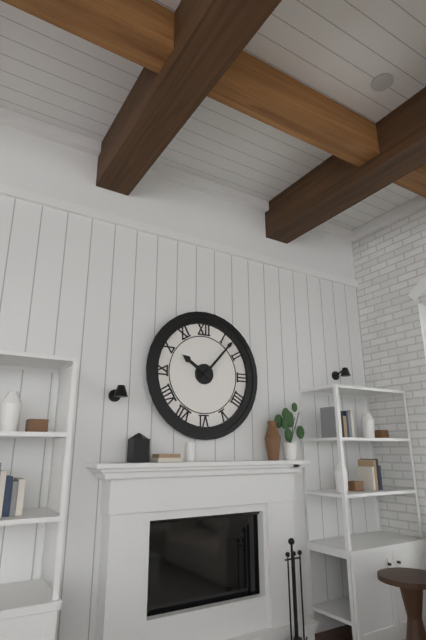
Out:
10 h 07 min
